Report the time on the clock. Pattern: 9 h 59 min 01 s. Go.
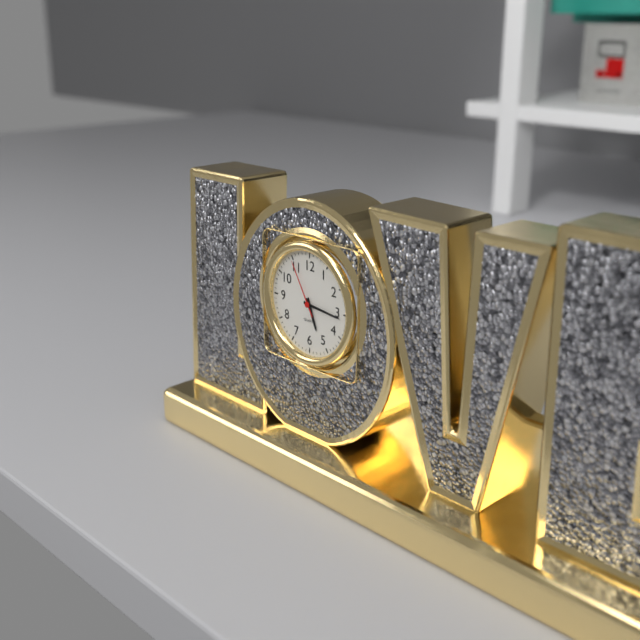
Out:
5 h 16 min 55 s
